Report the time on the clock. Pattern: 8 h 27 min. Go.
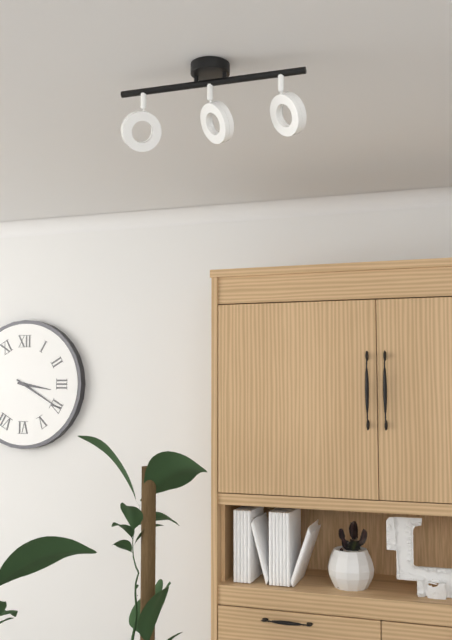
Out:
3 h 20 min
